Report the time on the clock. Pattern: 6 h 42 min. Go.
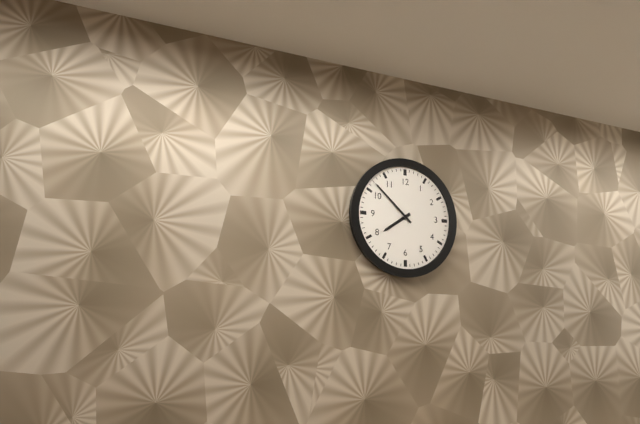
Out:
7 h 52 min
